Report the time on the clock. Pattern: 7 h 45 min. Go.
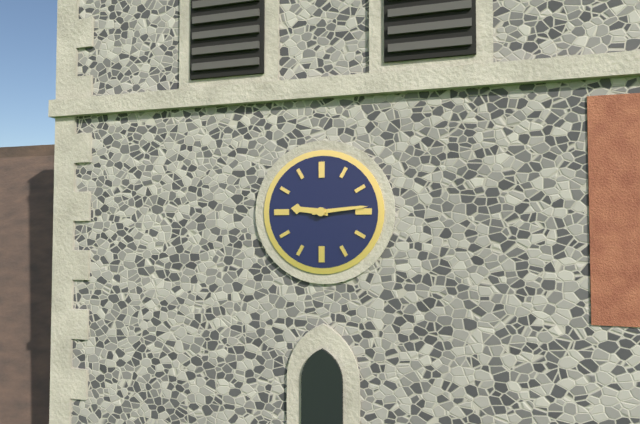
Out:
9 h 14 min
